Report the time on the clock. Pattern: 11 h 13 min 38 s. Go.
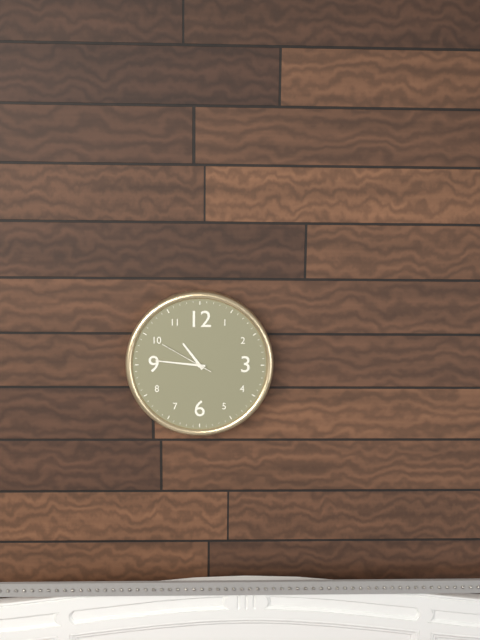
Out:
10 h 46 min 50 s
